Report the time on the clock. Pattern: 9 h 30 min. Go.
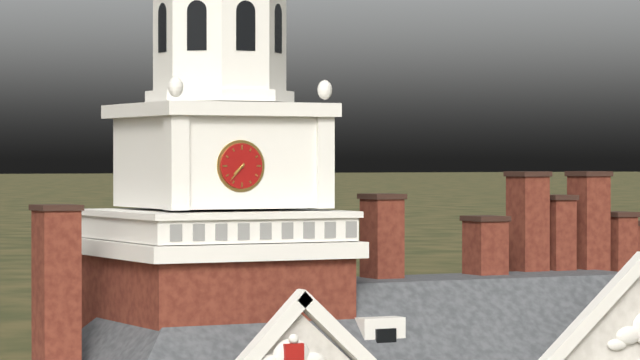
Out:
7 h 37 min
